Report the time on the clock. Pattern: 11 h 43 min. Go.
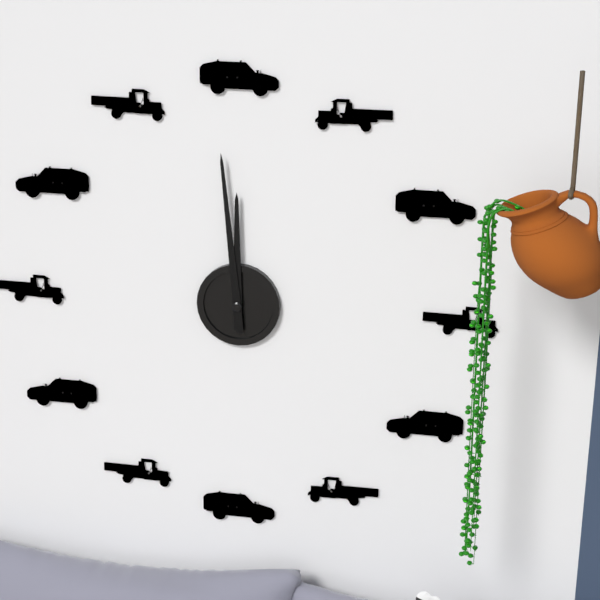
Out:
11 h 59 min
